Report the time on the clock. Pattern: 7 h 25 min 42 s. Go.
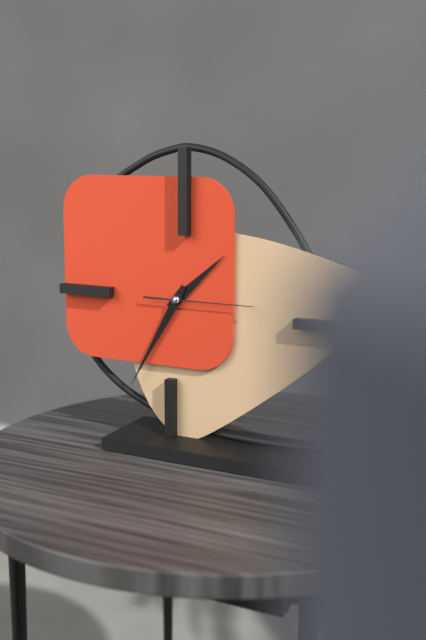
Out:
1 h 35 min 15 s
